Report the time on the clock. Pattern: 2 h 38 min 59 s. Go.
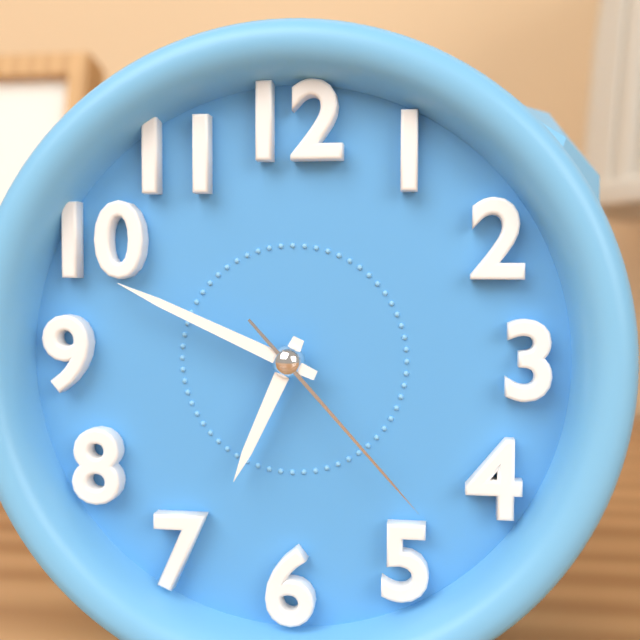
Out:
6 h 49 min 23 s
